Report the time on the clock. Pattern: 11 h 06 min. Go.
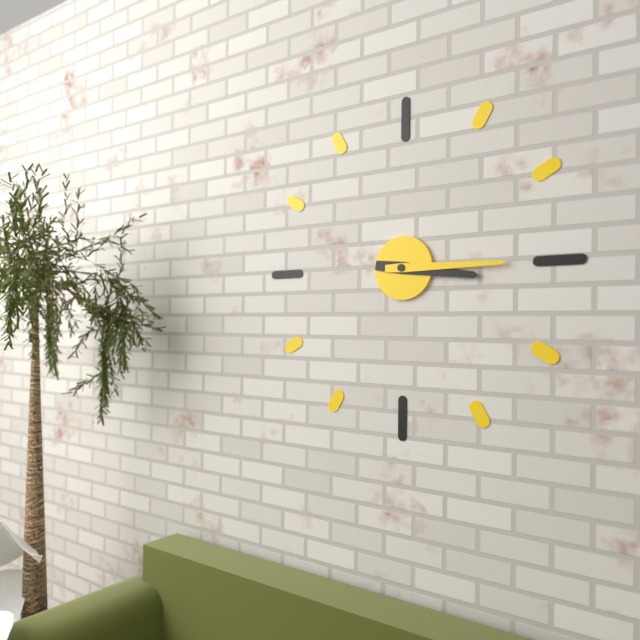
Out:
3 h 15 min
